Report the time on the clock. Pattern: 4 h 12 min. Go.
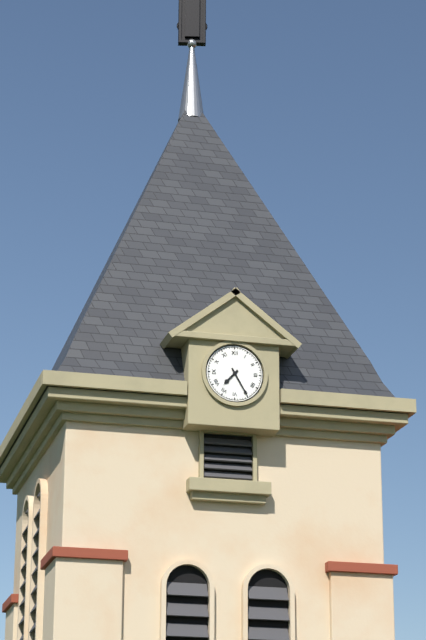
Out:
7 h 25 min
